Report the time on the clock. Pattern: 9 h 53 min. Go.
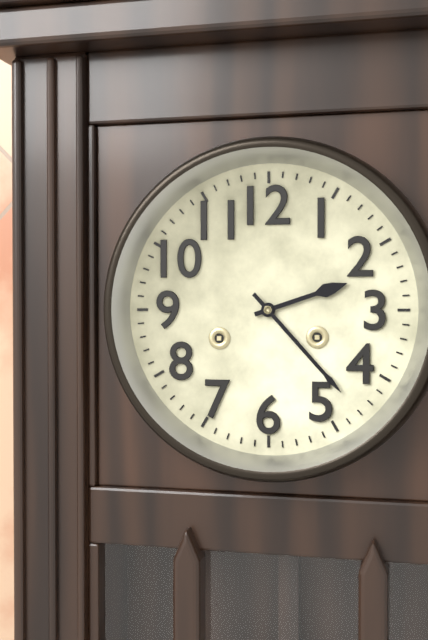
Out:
2 h 23 min
